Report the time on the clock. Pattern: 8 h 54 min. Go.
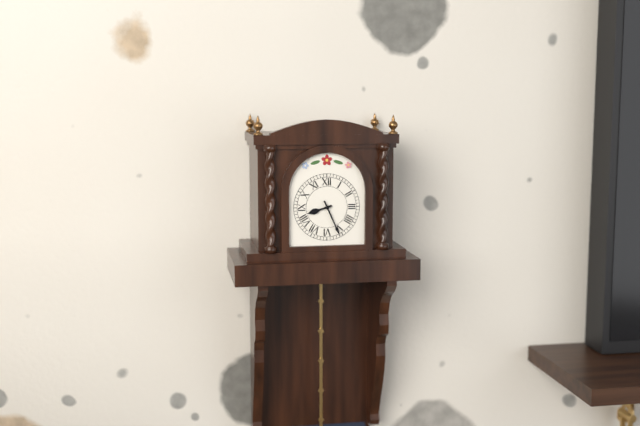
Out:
8 h 26 min
